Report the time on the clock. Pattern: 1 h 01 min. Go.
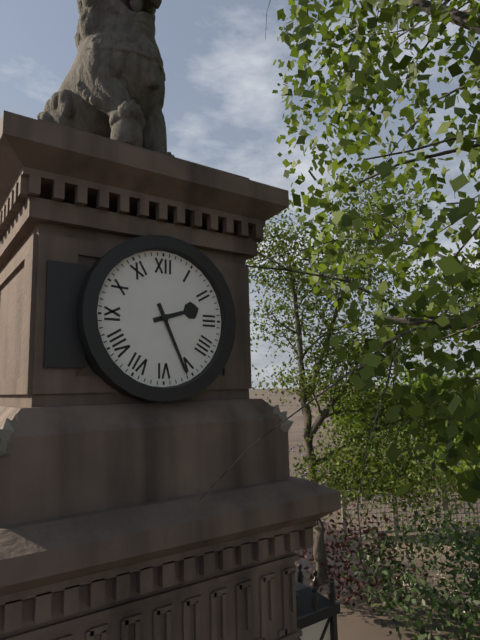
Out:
2 h 26 min
